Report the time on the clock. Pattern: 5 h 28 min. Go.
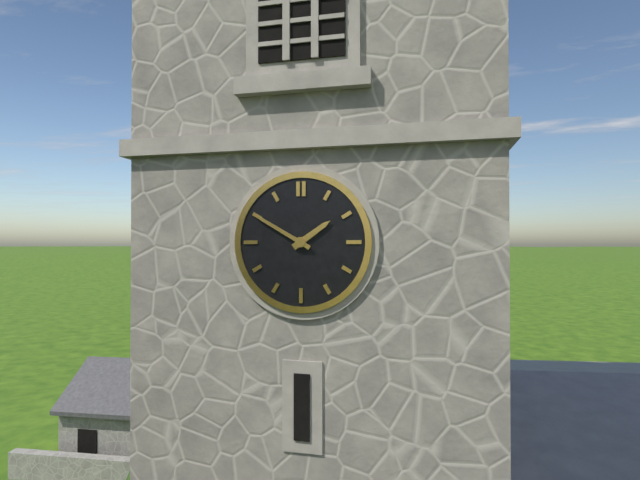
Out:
1 h 50 min
